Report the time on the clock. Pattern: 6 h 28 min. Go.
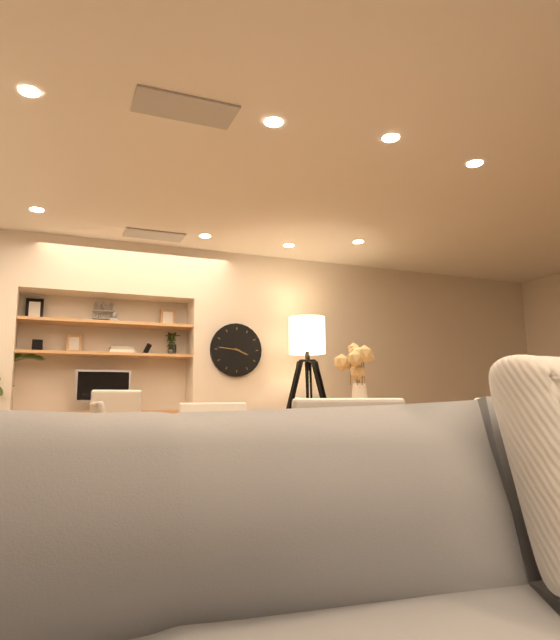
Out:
3 h 46 min
